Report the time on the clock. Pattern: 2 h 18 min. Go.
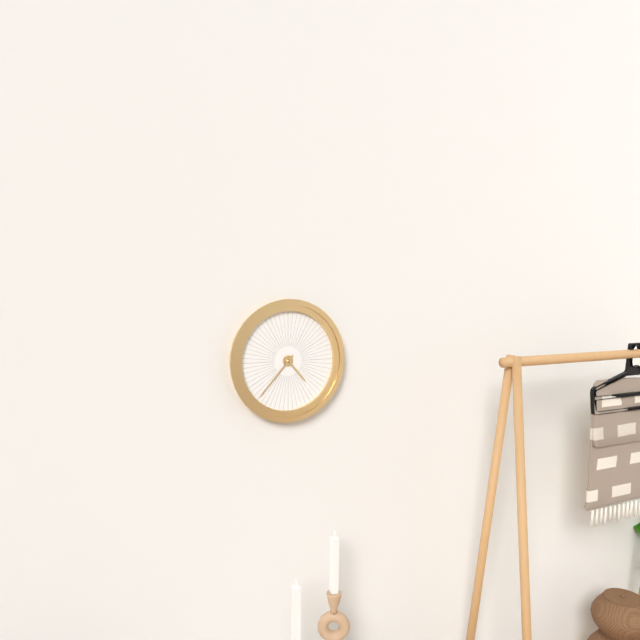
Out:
4 h 37 min
